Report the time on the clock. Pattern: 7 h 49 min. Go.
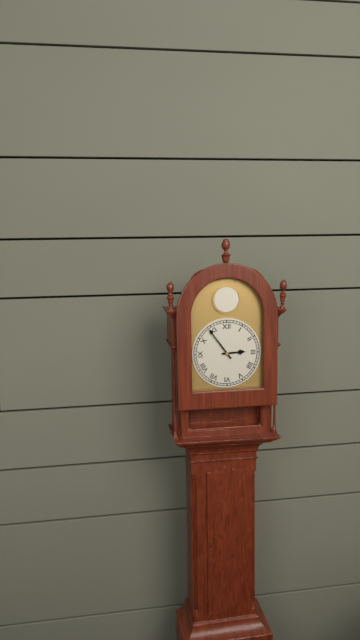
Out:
2 h 54 min
